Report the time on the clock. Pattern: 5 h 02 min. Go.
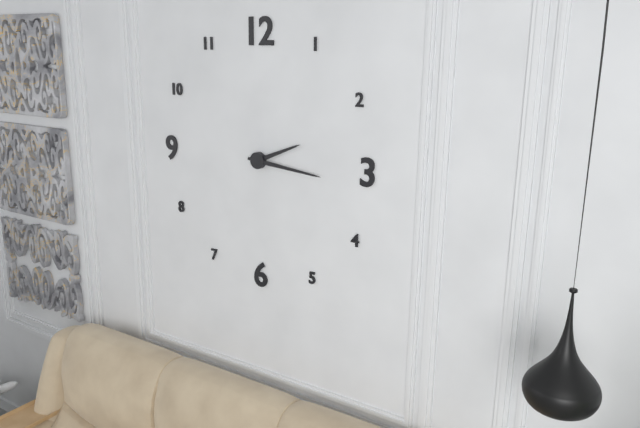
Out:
2 h 16 min
